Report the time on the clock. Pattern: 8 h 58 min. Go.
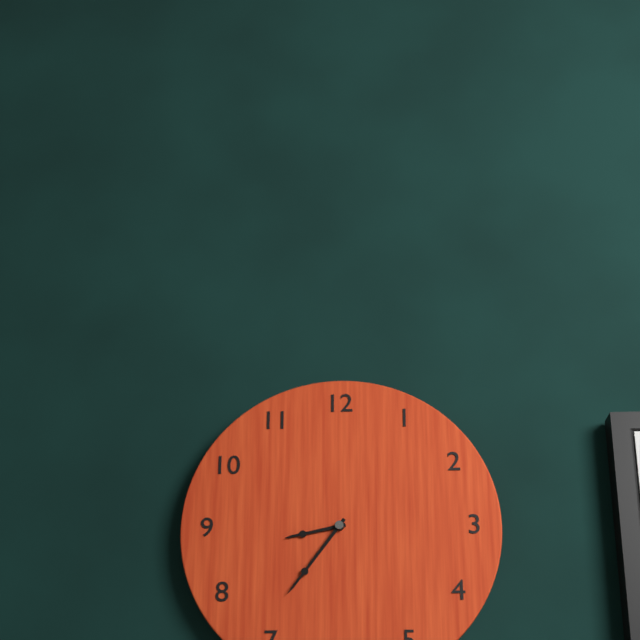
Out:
8 h 36 min
